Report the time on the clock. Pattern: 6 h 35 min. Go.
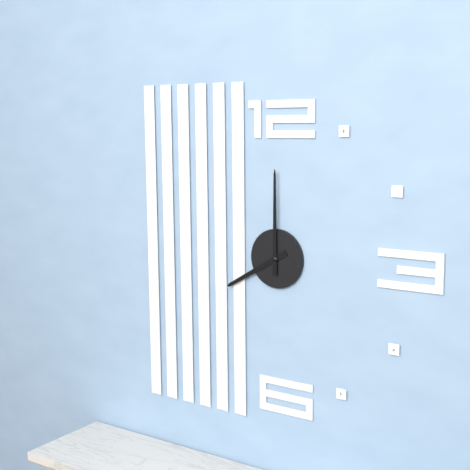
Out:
8 h 00 min
